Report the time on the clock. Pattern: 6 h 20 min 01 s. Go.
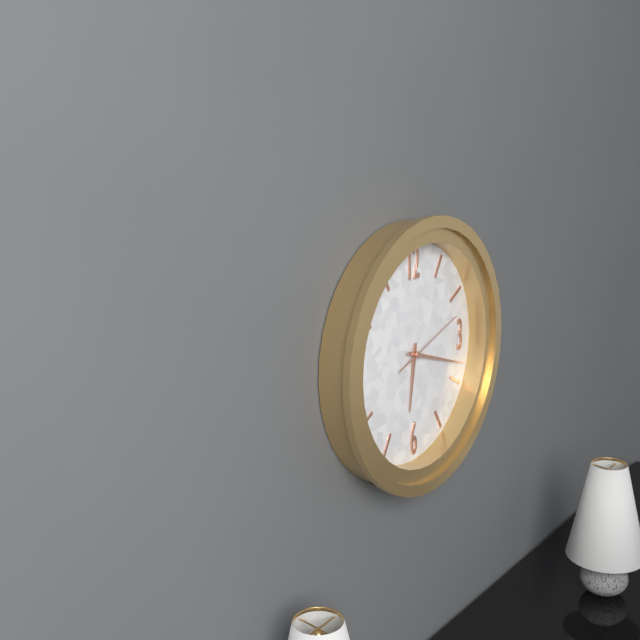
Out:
6 h 18 min 12 s
